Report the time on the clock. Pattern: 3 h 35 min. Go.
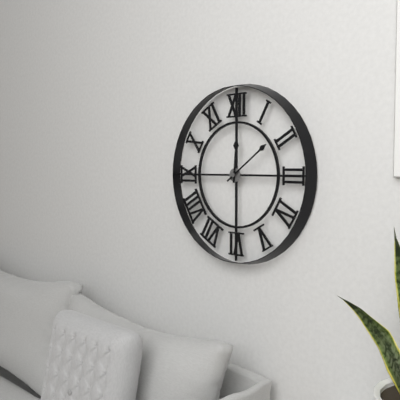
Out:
12 h 09 min
